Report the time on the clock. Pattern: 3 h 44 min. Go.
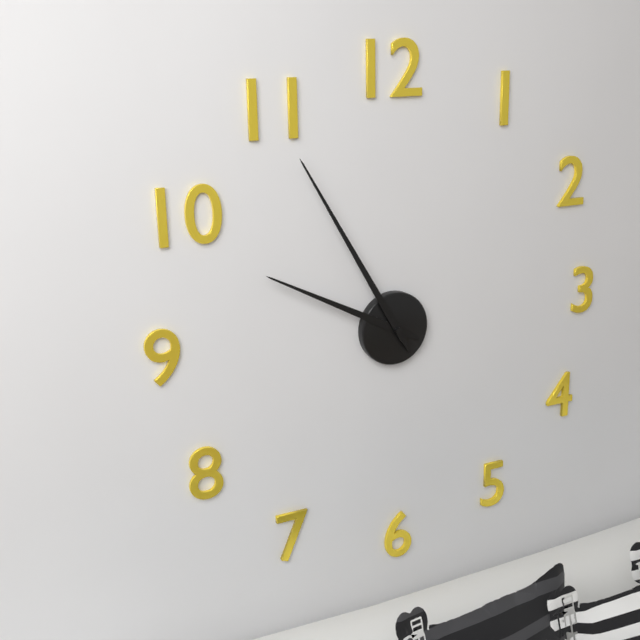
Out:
9 h 55 min
